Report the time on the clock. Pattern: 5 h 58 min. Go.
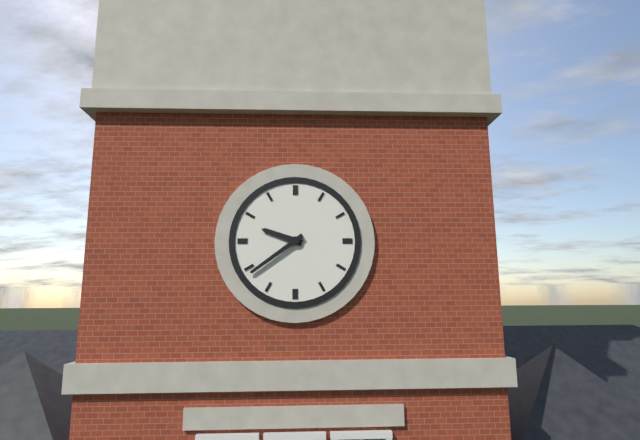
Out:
9 h 39 min
